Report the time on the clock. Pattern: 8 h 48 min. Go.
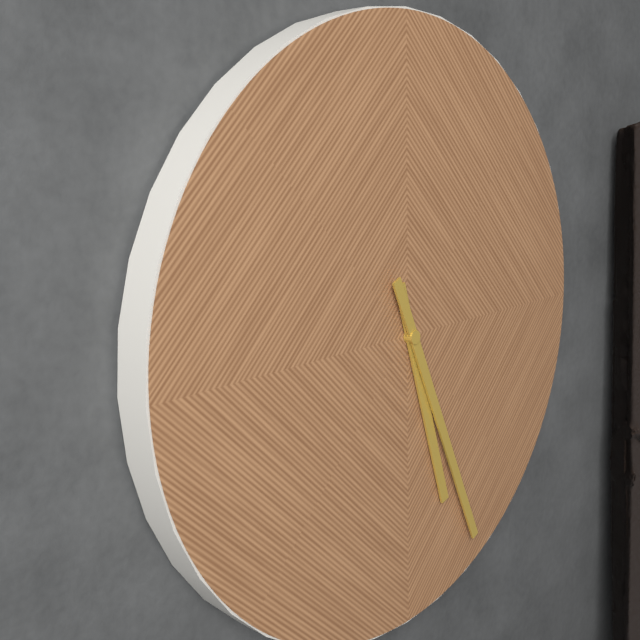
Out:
5 h 26 min
